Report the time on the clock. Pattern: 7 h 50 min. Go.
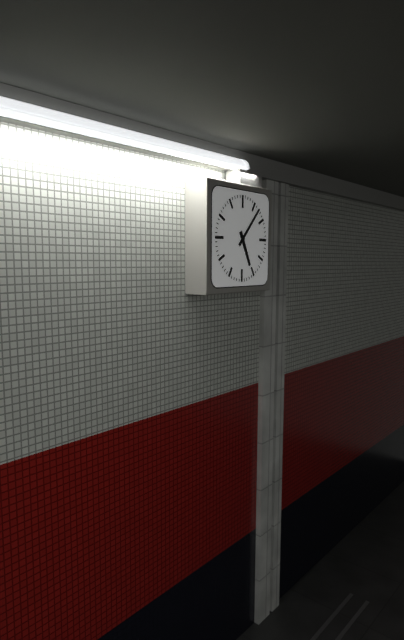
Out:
5 h 07 min
